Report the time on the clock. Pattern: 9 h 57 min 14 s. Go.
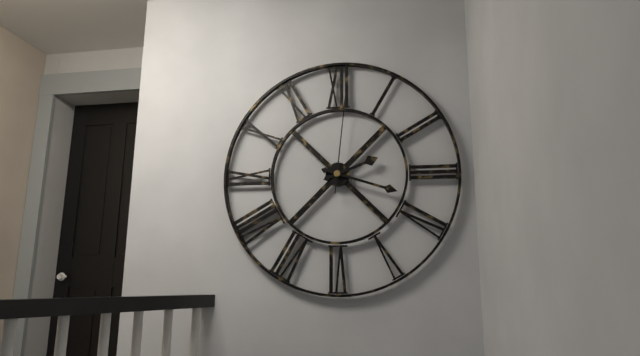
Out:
2 h 18 min 01 s
